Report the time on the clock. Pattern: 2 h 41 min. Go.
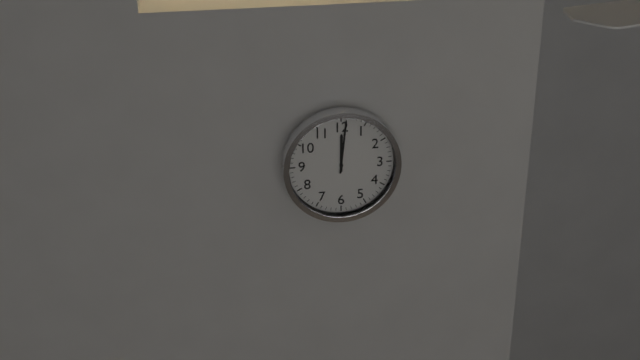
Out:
12 h 01 min
